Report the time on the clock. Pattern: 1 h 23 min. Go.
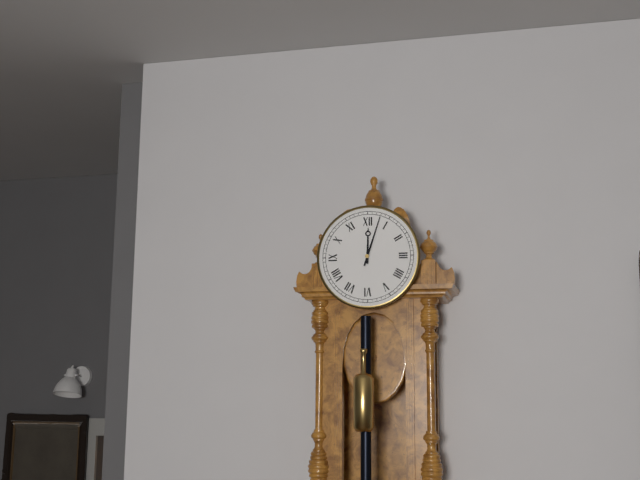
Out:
12 h 03 min
